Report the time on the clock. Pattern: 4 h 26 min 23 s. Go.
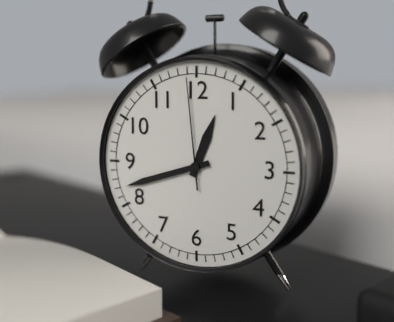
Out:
12 h 42 min 59 s
